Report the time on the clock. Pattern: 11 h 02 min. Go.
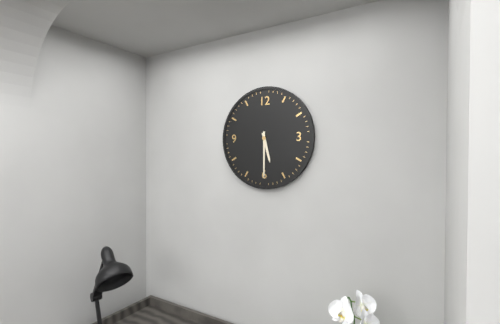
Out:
5 h 30 min
